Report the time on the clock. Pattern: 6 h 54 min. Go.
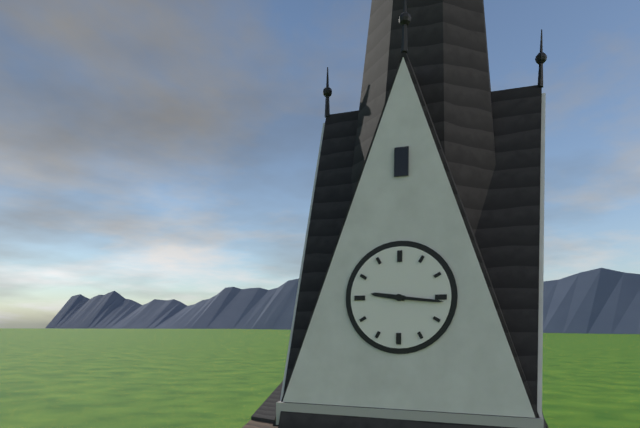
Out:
9 h 16 min
